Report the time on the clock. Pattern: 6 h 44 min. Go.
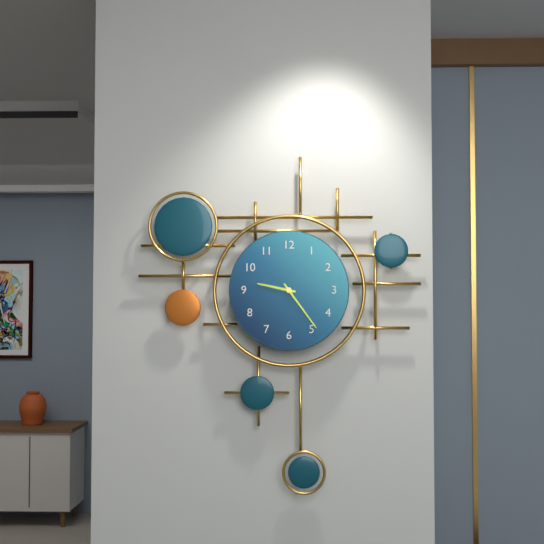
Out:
9 h 24 min
